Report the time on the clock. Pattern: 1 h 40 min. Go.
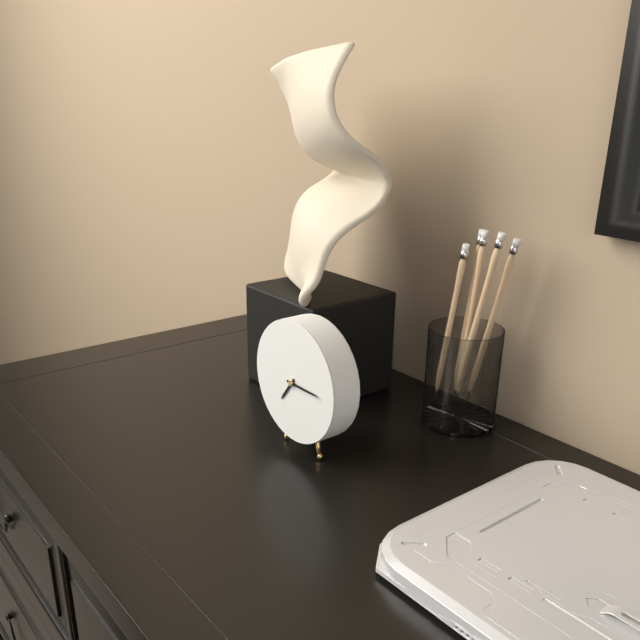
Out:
7 h 15 min
